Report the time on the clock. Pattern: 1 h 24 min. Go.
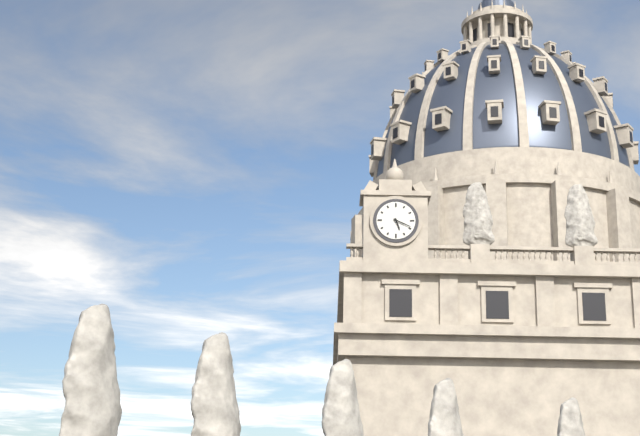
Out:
5 h 19 min
